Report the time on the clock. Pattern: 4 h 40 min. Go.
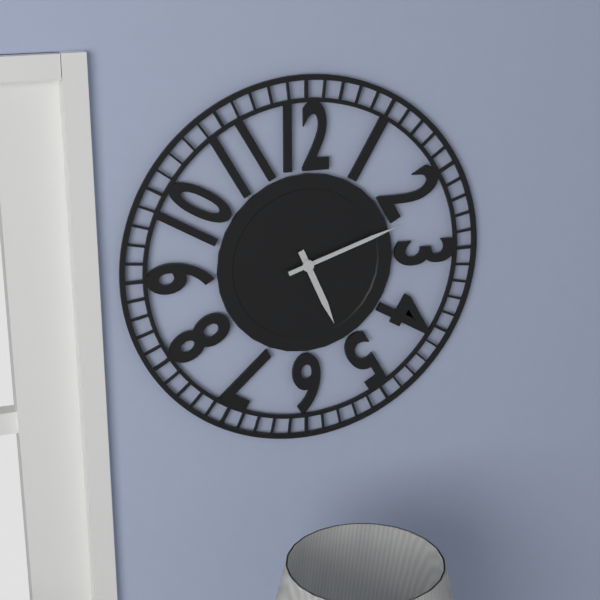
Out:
5 h 12 min
